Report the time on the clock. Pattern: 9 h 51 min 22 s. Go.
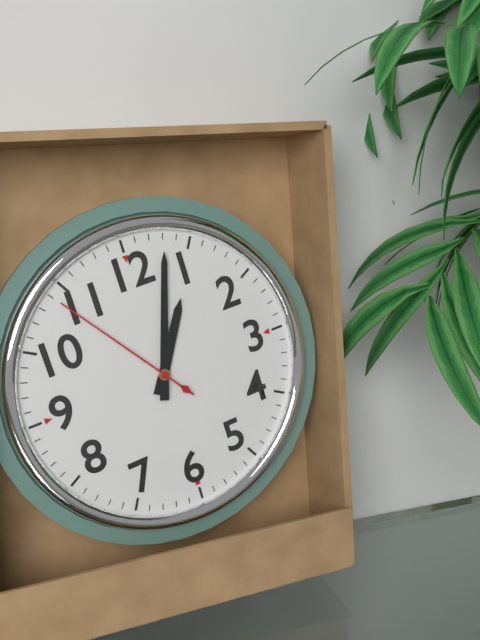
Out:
1 h 03 min 54 s
